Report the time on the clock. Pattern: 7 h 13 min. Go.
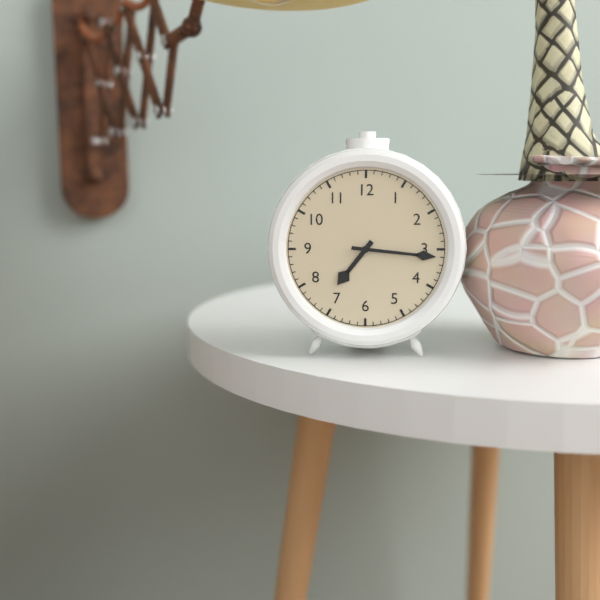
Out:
7 h 16 min
